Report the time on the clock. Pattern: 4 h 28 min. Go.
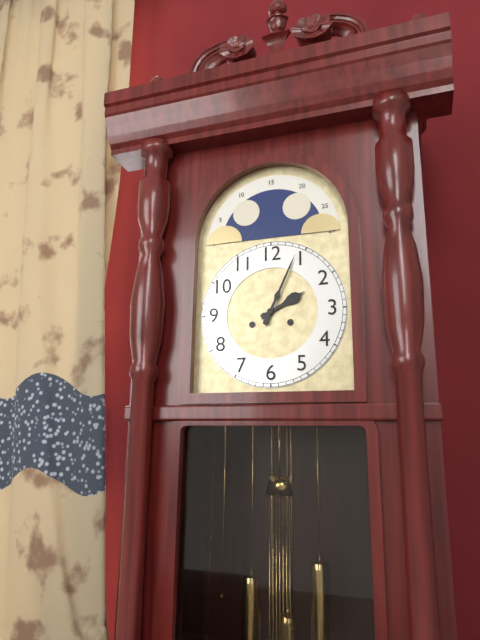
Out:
2 h 04 min
